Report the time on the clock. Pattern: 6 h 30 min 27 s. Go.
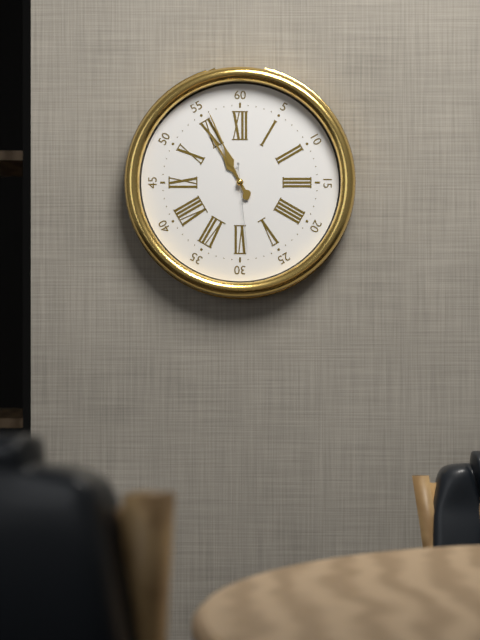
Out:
10 h 56 min 29 s
